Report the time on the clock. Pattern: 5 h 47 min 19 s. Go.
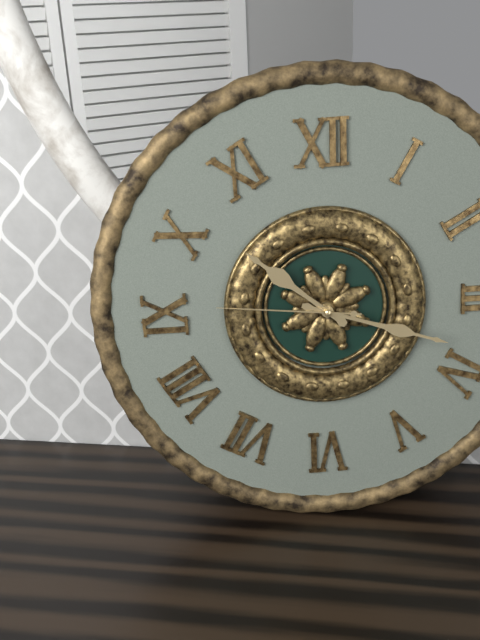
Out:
10 h 18 min 46 s
